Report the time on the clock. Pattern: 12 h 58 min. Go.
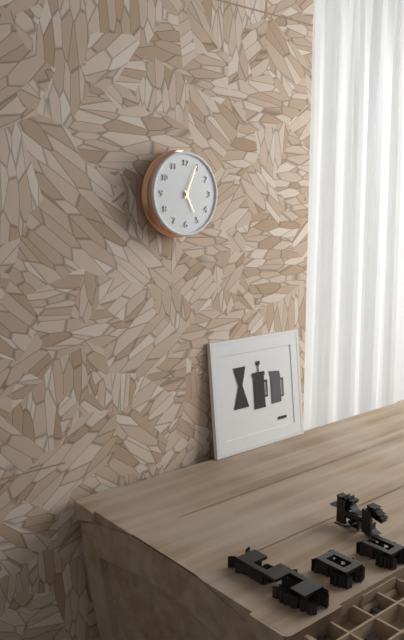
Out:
5 h 04 min
